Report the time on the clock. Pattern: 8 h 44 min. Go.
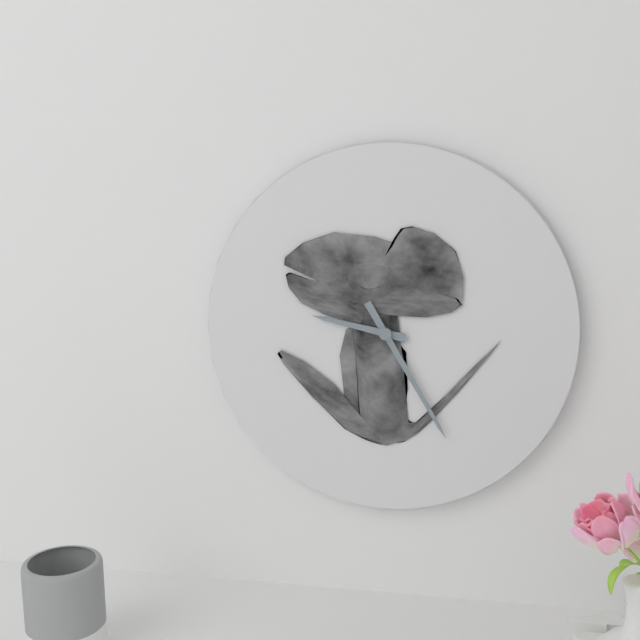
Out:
9 h 25 min
